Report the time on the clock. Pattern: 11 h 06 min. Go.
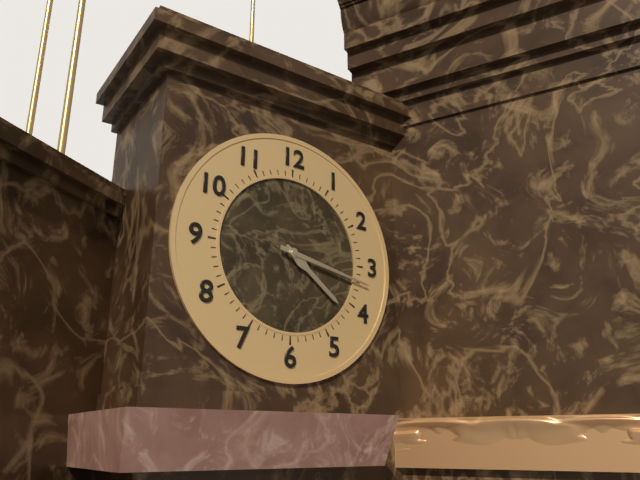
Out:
4 h 17 min
